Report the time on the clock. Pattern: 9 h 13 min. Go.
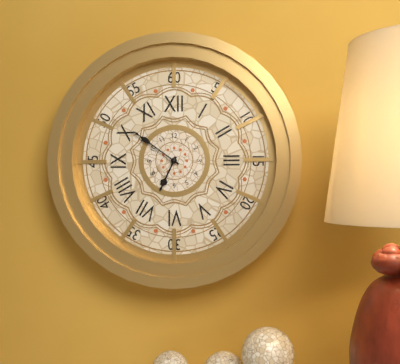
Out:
6 h 51 min
